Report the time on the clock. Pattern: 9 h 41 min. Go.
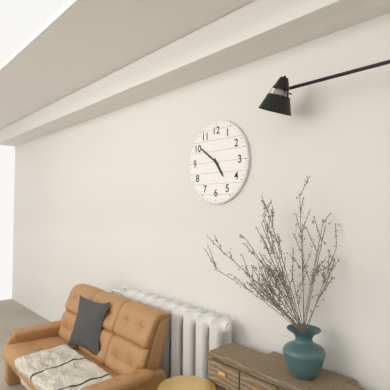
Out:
4 h 51 min
